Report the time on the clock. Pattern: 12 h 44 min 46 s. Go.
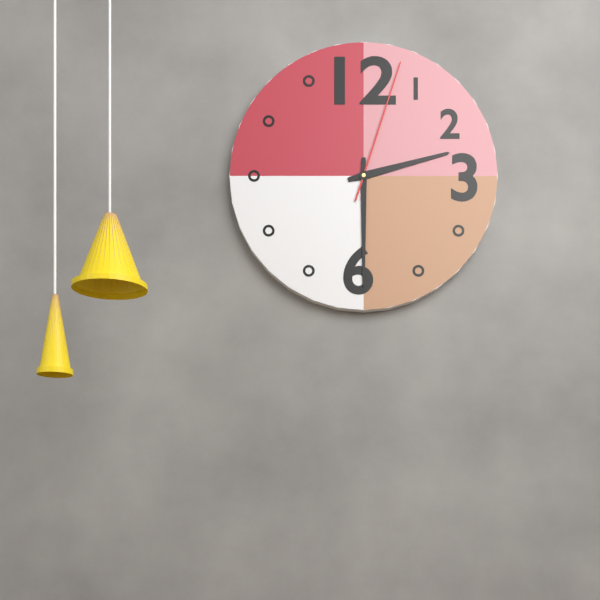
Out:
2 h 30 min 03 s
